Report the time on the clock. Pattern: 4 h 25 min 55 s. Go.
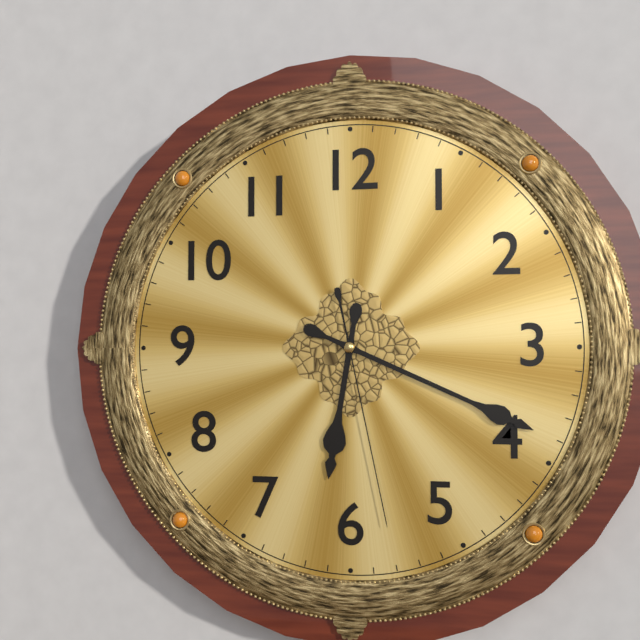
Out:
6 h 19 min 28 s
